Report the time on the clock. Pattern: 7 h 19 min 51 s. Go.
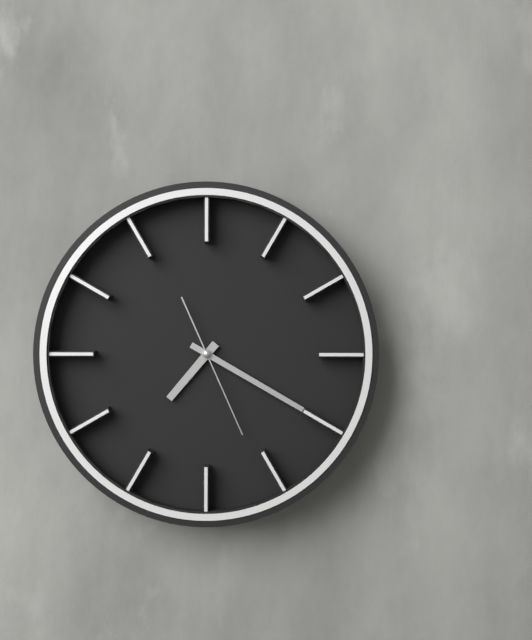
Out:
7 h 20 min 26 s
